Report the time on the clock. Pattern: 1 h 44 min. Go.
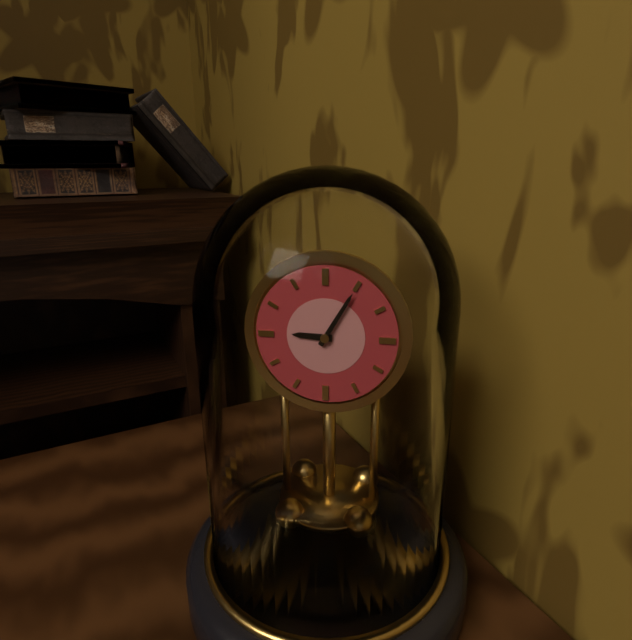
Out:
9 h 05 min
